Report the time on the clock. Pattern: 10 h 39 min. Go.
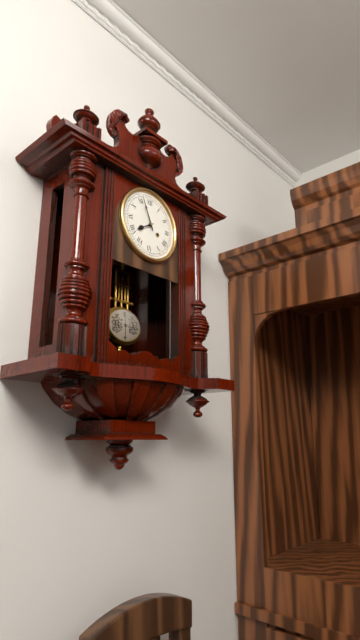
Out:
7 h 56 min
